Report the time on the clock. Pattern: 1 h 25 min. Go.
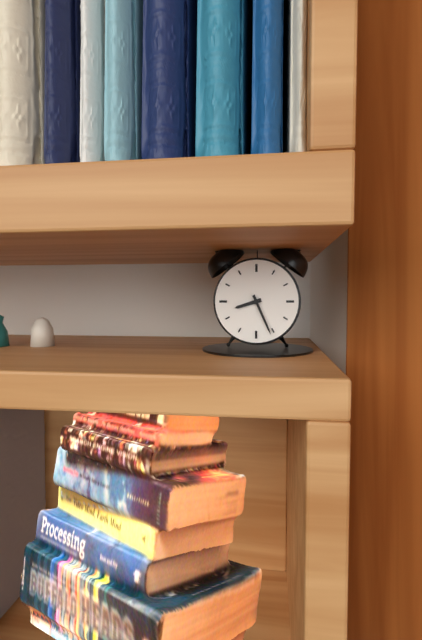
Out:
8 h 26 min
